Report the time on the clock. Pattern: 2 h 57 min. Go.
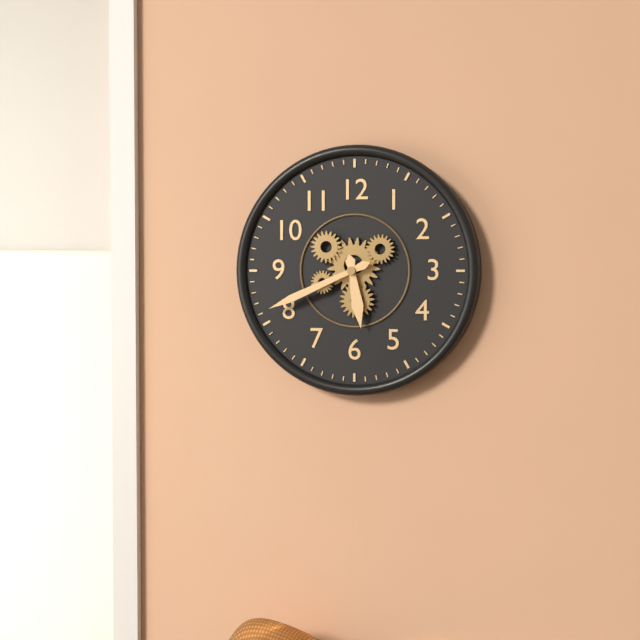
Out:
5 h 41 min
